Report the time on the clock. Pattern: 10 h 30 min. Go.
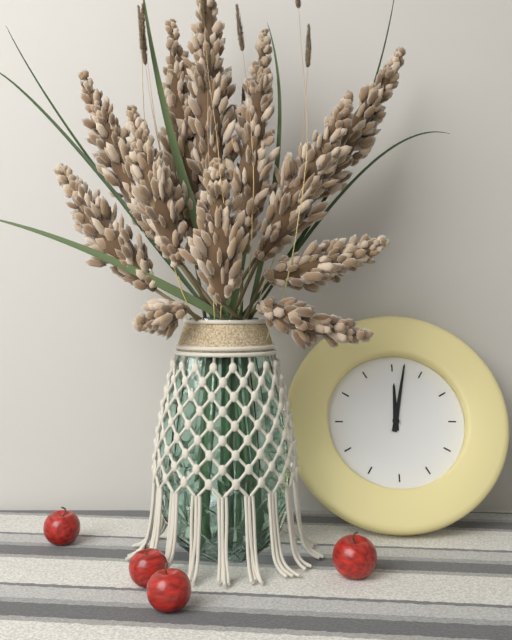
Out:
12 h 02 min
